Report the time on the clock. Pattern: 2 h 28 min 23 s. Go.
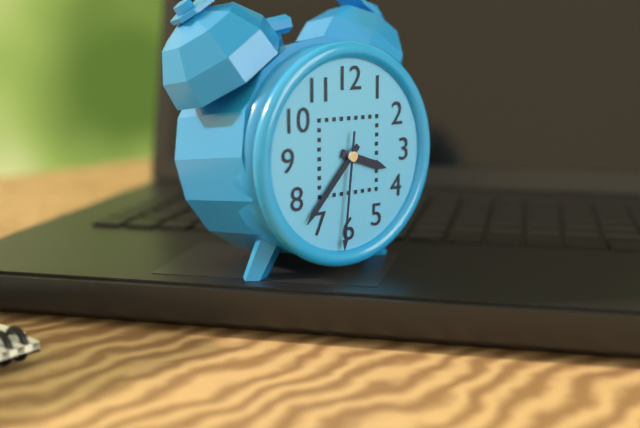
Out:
3 h 37 min 31 s
